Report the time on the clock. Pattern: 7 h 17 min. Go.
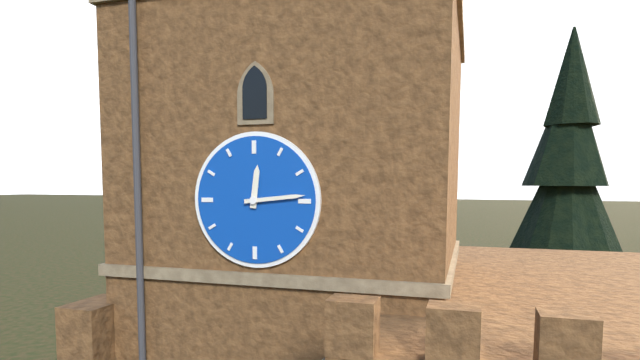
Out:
12 h 14 min
